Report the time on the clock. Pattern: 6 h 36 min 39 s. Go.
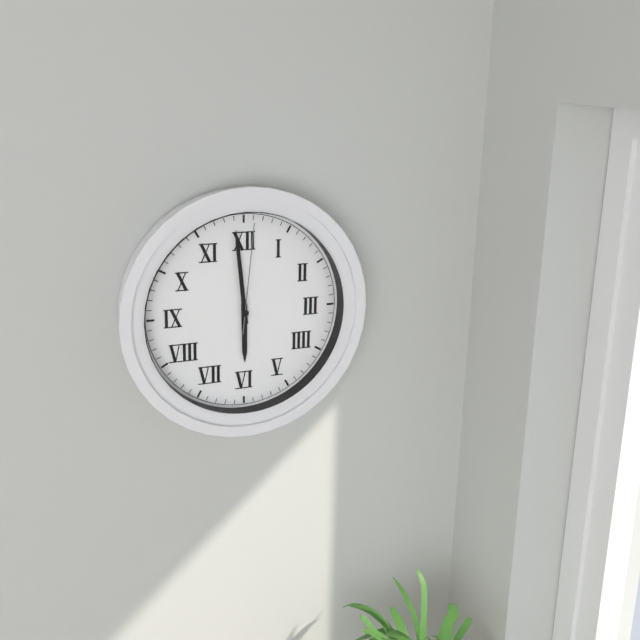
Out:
5 h 59 min 01 s
